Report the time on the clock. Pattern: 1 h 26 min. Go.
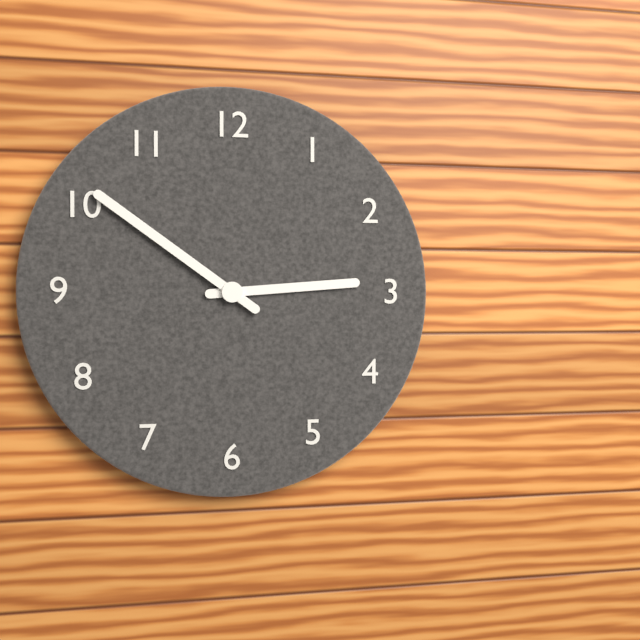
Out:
2 h 51 min
